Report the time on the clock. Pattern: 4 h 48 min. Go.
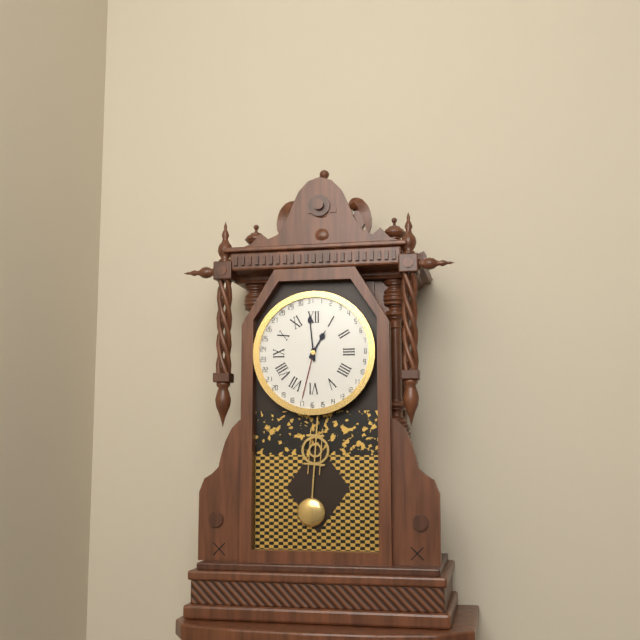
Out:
12 h 59 min
